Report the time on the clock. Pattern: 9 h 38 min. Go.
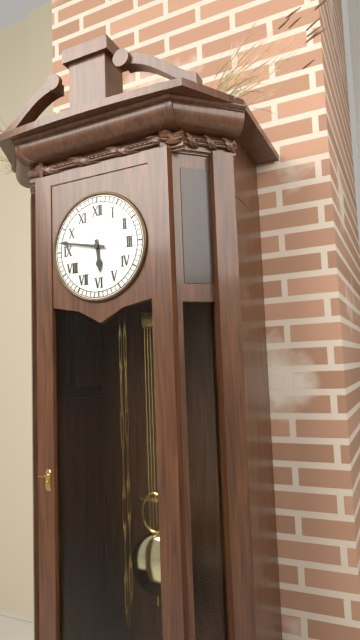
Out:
5 h 47 min
